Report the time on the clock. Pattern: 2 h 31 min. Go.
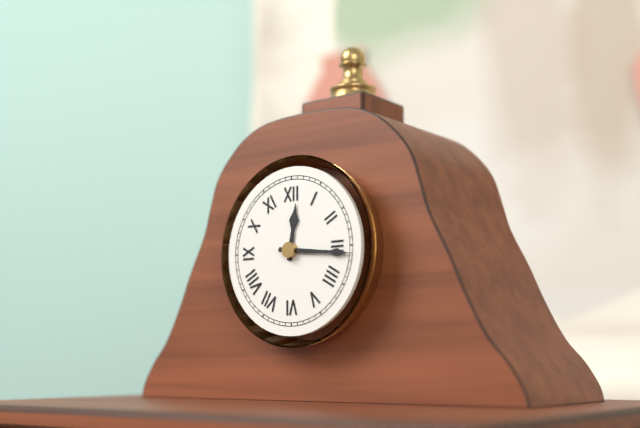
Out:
12 h 16 min
